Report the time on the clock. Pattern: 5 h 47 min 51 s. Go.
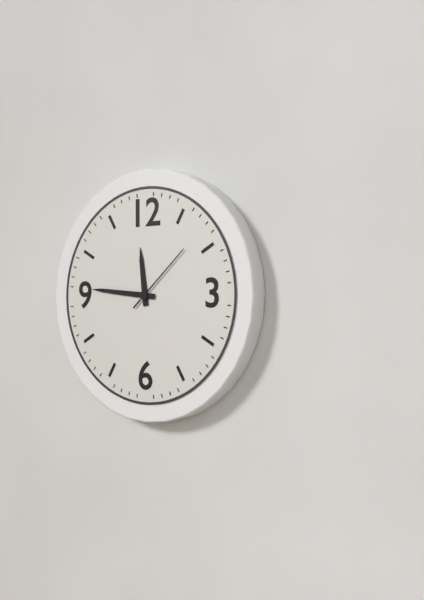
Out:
11 h 46 min 08 s
